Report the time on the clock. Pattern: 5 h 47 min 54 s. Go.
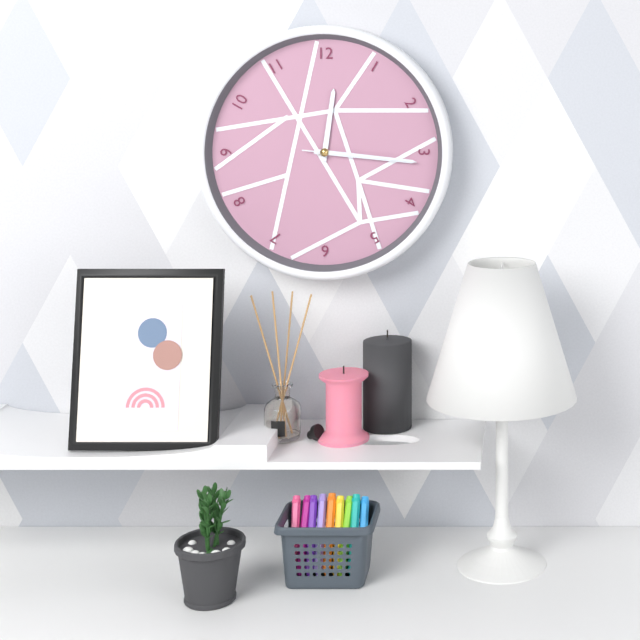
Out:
12 h 16 min 16 s
